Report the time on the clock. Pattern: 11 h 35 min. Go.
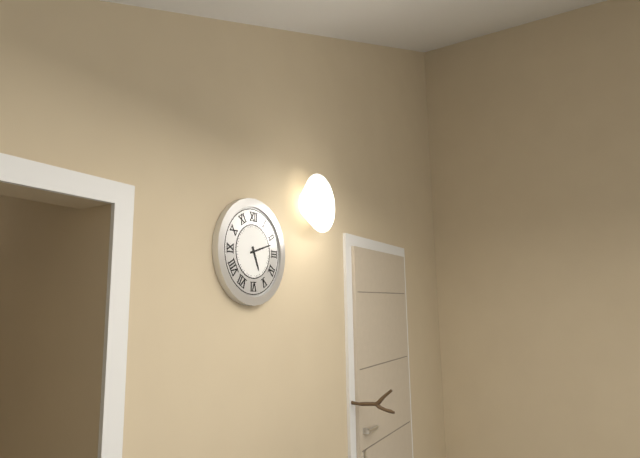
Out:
5 h 12 min
